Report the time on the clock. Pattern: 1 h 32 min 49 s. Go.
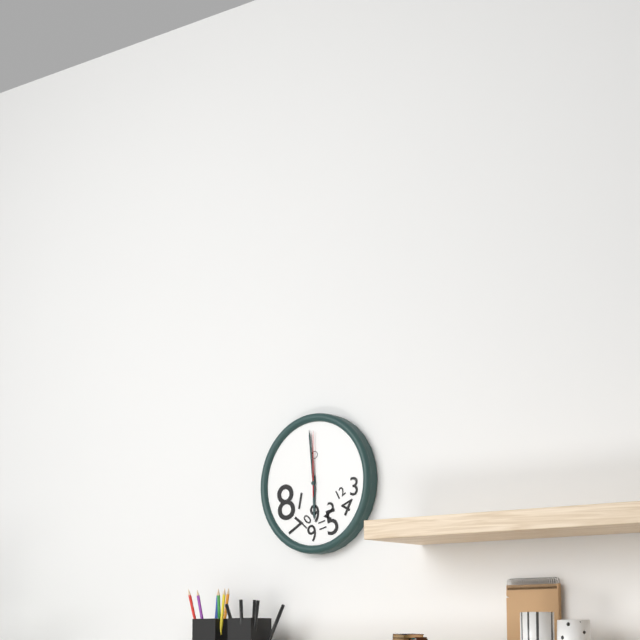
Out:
5 h 59 min 00 s
